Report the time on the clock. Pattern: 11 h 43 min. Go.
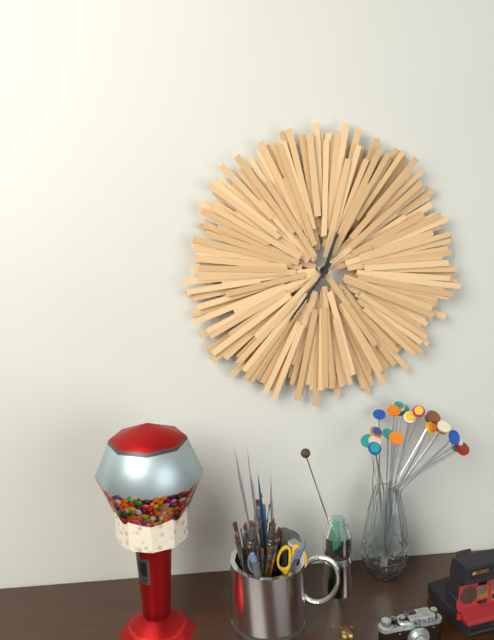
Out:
12 h 36 min
